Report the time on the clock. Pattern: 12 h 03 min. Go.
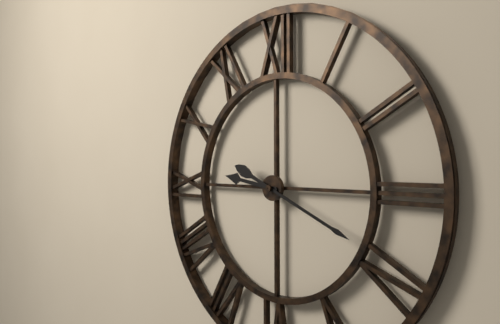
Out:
9 h 19 min
